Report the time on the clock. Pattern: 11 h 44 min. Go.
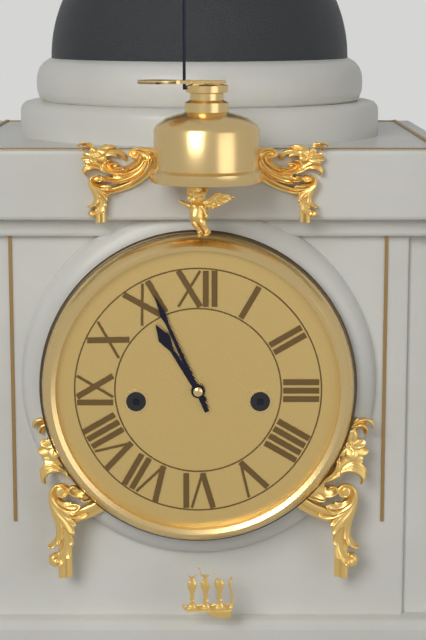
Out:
10 h 56 min
